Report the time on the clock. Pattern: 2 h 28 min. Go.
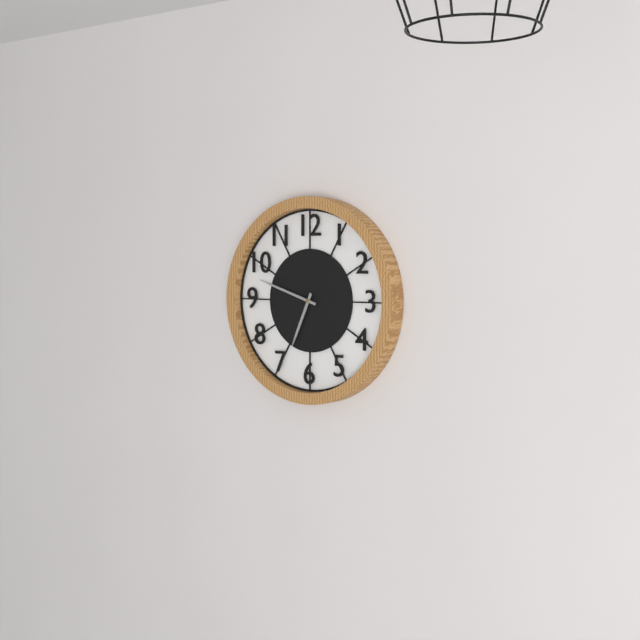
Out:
6 h 48 min
